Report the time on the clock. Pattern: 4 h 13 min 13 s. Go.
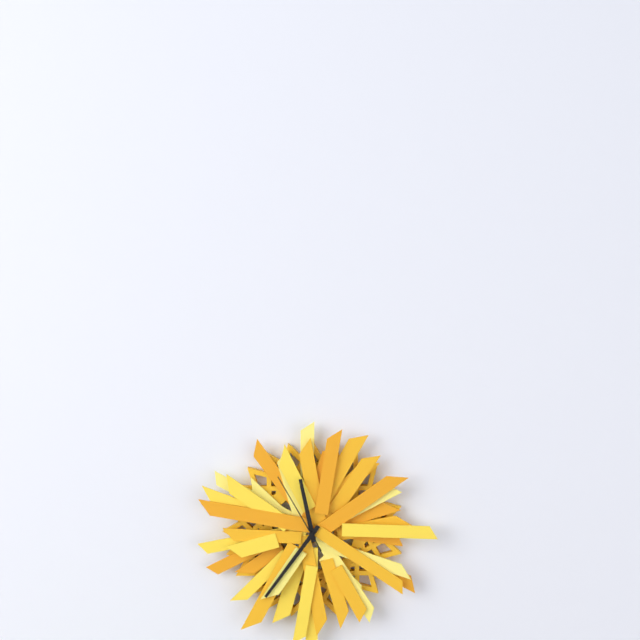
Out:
11 h 36 min 55 s
